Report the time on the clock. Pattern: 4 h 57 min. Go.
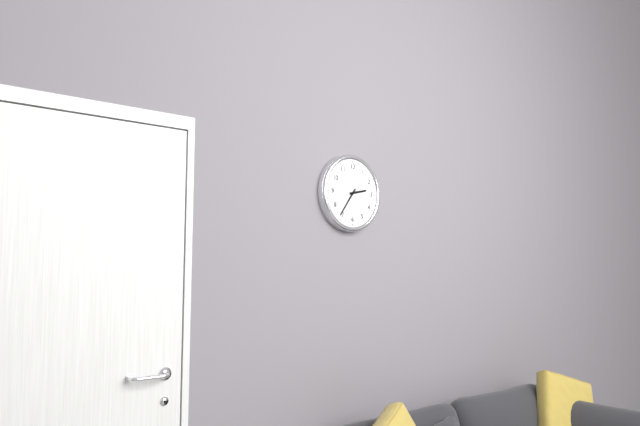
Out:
2 h 36 min
